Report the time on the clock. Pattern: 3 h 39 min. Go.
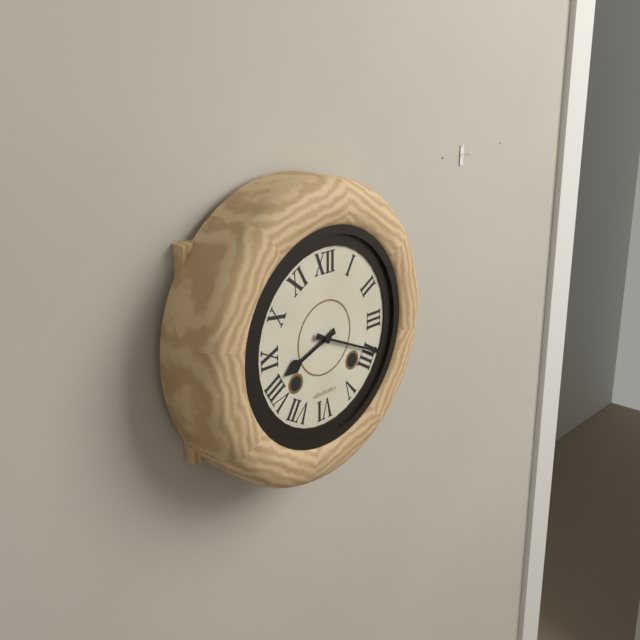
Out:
8 h 19 min
